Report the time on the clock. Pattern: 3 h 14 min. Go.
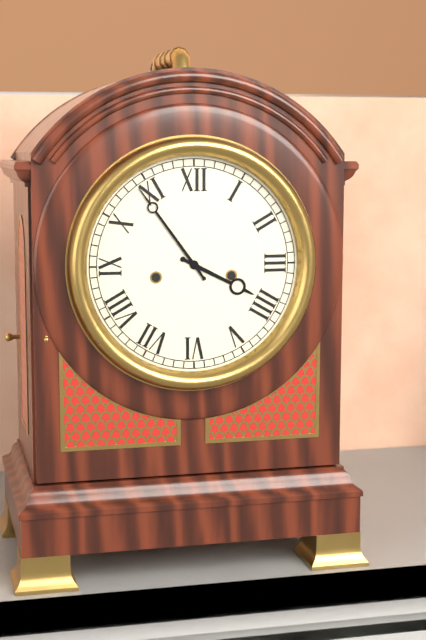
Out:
3 h 54 min
